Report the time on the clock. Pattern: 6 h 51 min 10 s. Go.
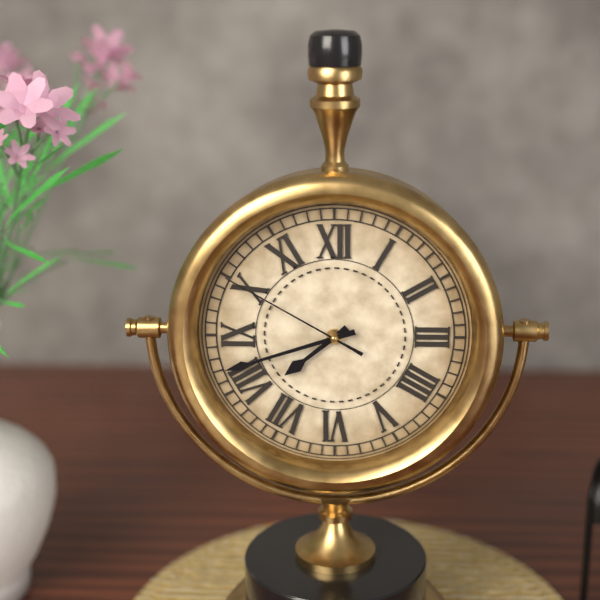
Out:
7 h 42 min 50 s
